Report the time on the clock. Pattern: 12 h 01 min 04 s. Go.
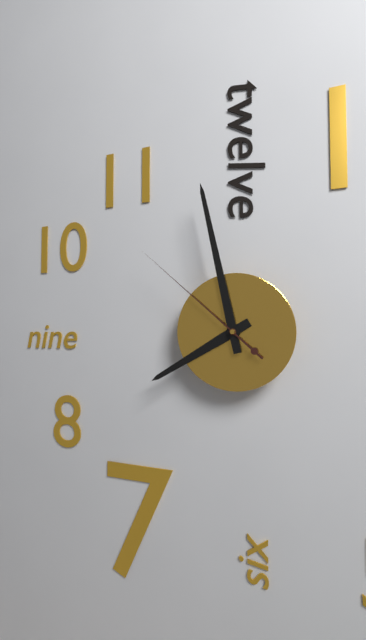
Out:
7 h 58 min 52 s
